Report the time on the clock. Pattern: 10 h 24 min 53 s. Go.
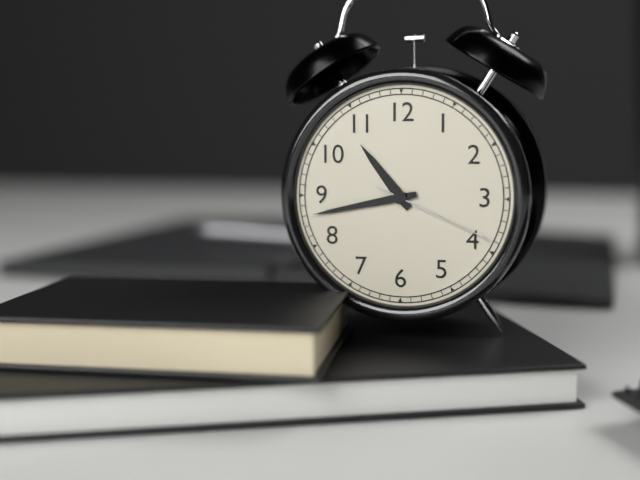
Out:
10 h 43 min 19 s
